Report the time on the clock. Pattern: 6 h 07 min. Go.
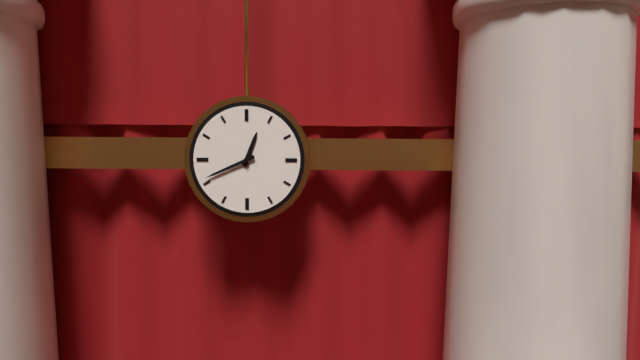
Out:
12 h 41 min
